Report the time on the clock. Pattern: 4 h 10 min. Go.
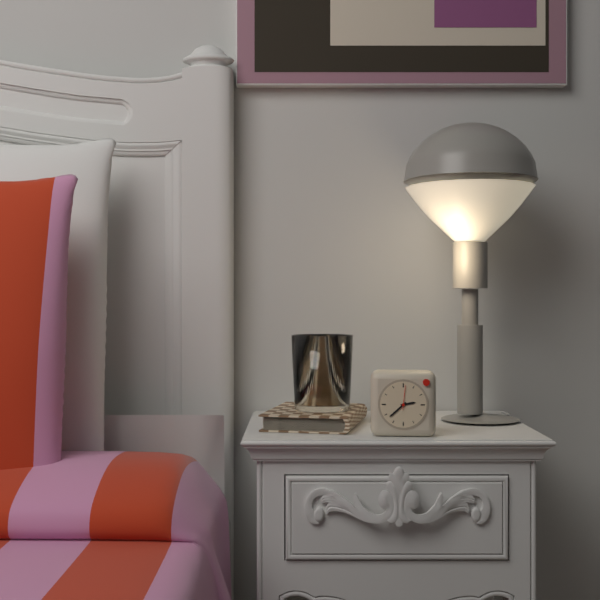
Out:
2 h 38 min
